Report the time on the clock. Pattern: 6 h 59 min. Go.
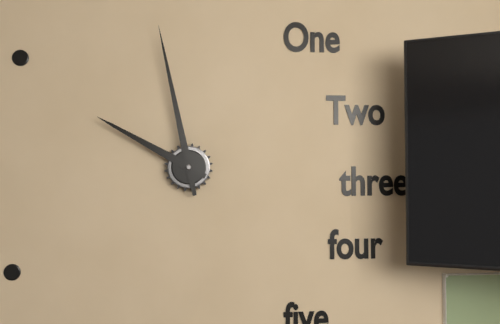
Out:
9 h 58 min
